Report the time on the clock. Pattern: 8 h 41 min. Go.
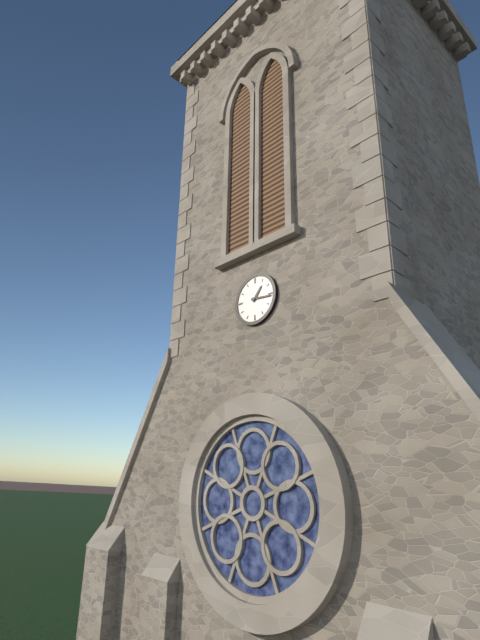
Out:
1 h 16 min
